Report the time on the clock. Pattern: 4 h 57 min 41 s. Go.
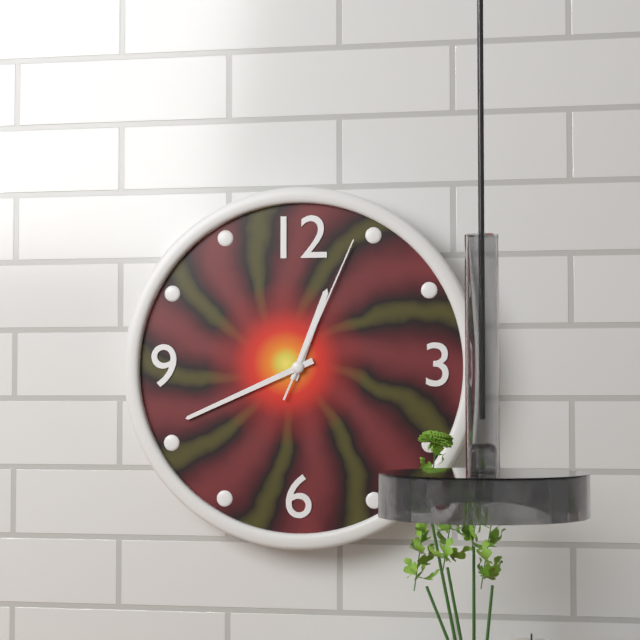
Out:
12 h 41 min 04 s
